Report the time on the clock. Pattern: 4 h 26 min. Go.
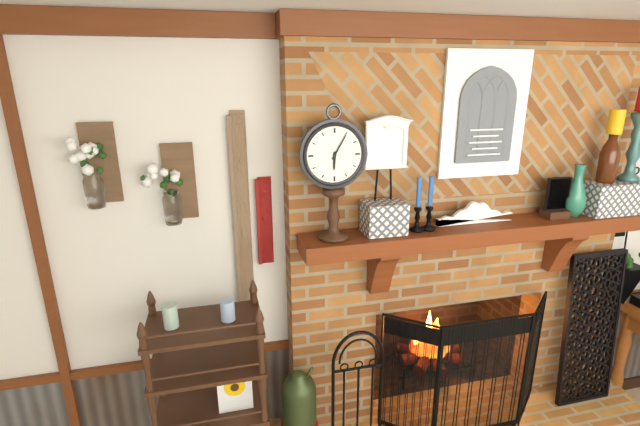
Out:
6 h 05 min
